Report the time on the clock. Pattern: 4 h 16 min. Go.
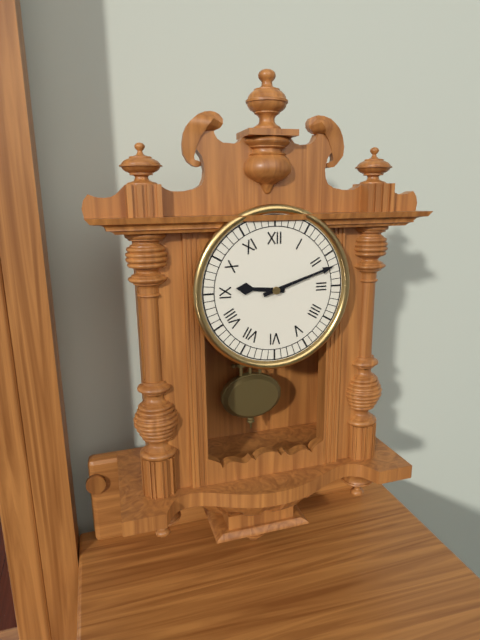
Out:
9 h 12 min
